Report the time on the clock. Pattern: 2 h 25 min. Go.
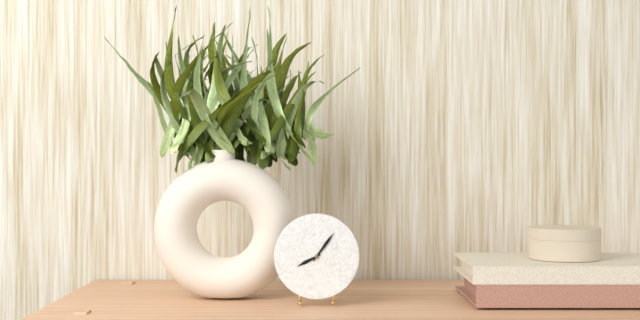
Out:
8 h 06 min
